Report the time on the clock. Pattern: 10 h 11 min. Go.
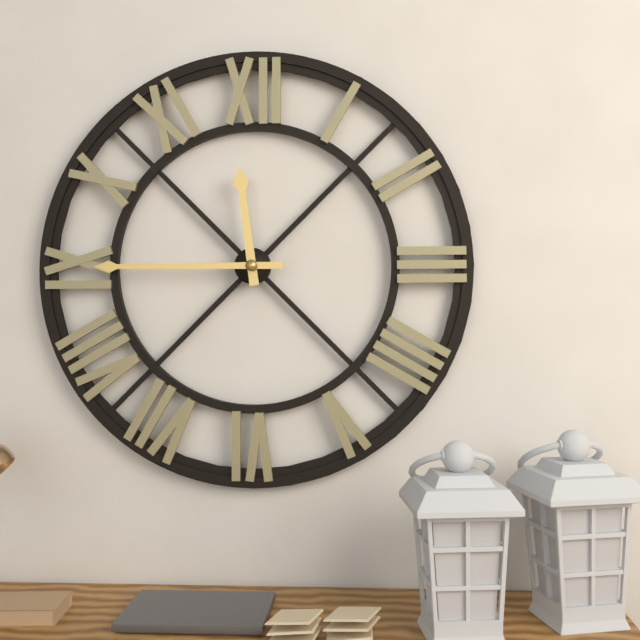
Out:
11 h 45 min
